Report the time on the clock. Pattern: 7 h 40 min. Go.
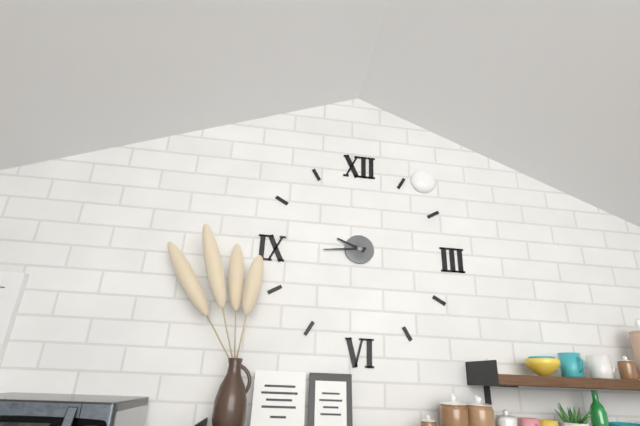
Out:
9 h 44 min
